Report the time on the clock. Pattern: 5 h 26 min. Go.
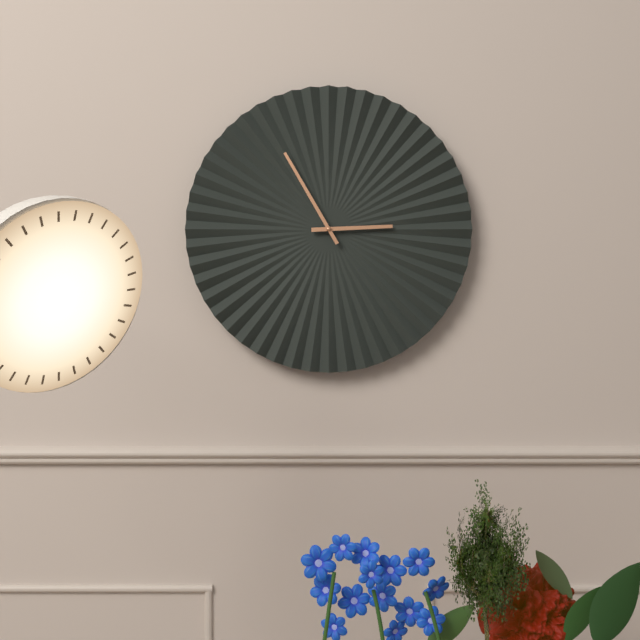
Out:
2 h 55 min
